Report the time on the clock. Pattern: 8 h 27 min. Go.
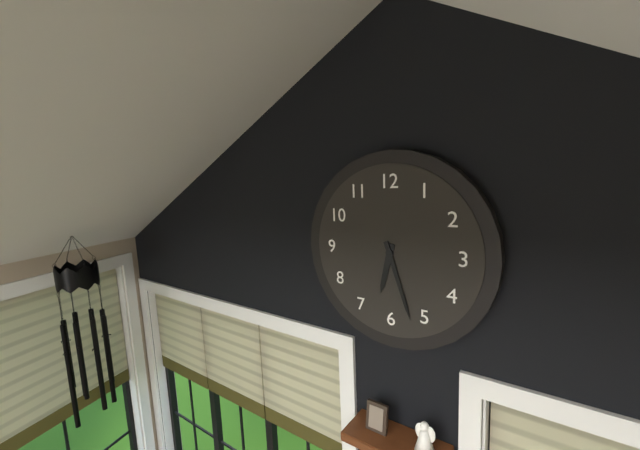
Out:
6 h 27 min
